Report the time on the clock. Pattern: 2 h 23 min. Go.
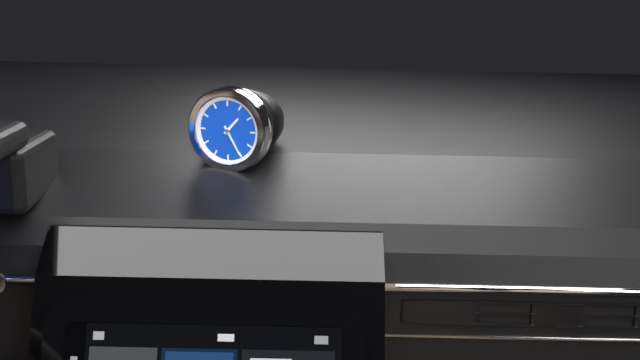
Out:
1 h 25 min
